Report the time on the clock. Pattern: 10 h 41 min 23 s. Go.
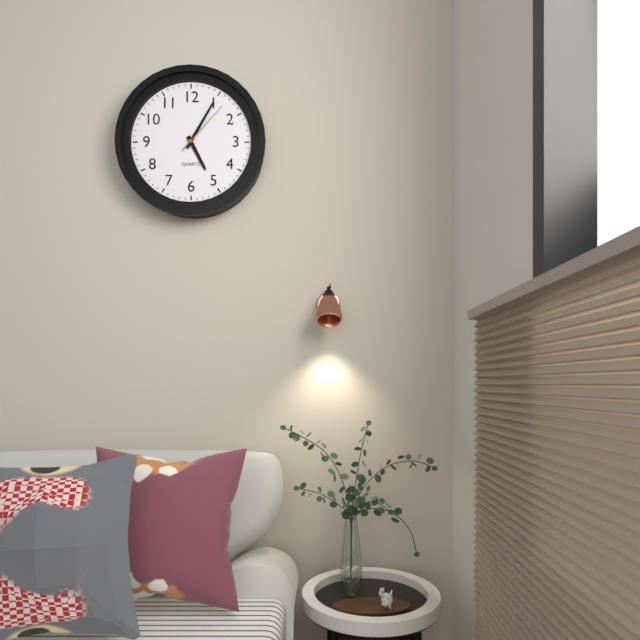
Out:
5 h 05 min 07 s
